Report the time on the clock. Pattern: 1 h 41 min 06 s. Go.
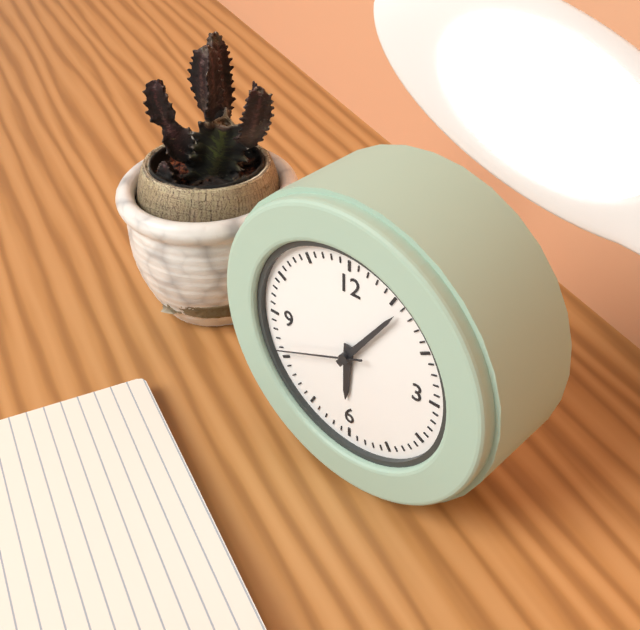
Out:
6 h 06 min 41 s
